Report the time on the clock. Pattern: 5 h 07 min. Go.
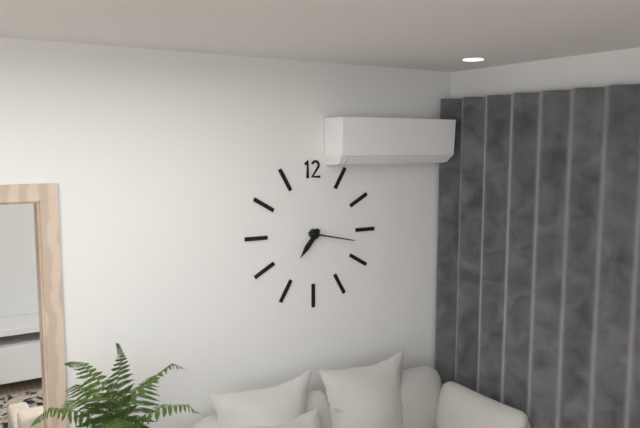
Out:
7 h 17 min
